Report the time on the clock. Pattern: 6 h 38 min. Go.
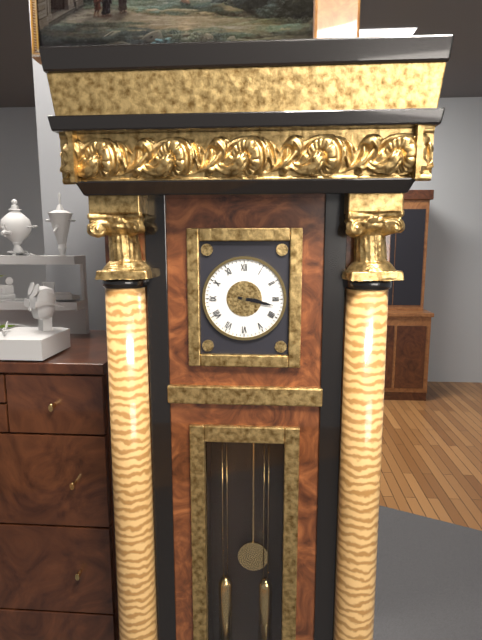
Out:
3 h 17 min
